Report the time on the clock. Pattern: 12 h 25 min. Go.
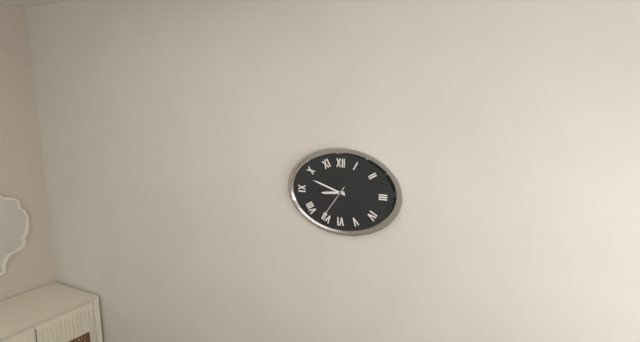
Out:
8 h 48 min
